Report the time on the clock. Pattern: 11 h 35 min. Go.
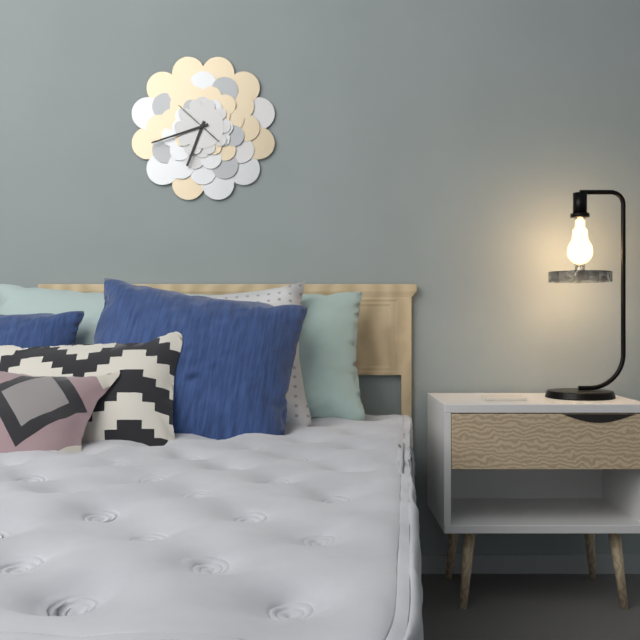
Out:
6 h 42 min
